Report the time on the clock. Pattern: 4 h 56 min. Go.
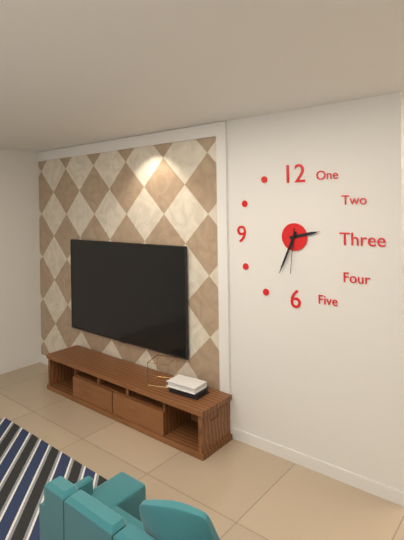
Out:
2 h 34 min
